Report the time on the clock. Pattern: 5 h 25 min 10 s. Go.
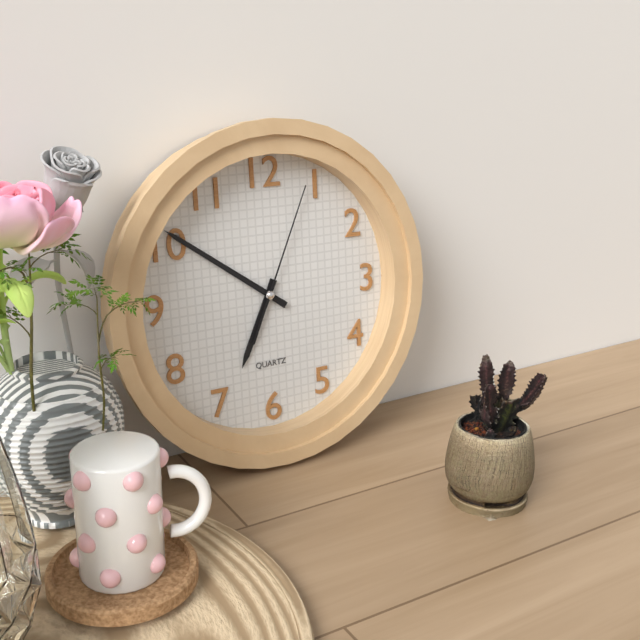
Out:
6 h 51 min 04 s
